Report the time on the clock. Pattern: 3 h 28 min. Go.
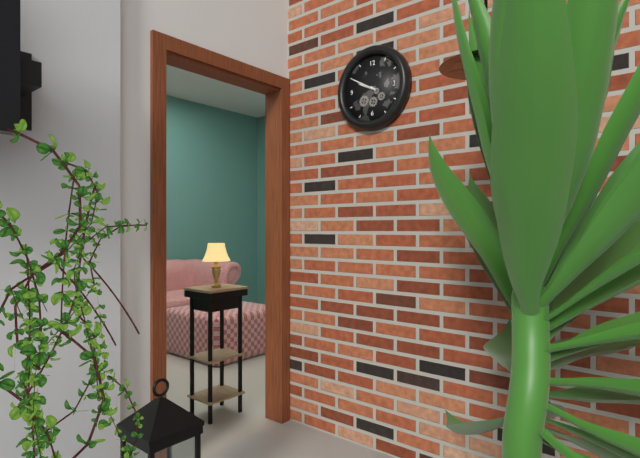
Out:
9 h 50 min
